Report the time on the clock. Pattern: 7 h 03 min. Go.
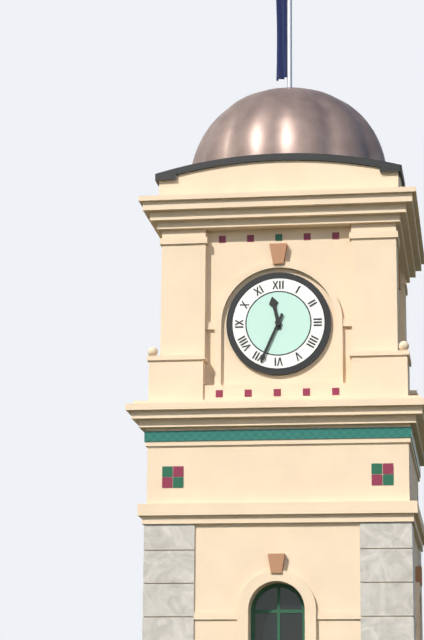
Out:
11 h 34 min
